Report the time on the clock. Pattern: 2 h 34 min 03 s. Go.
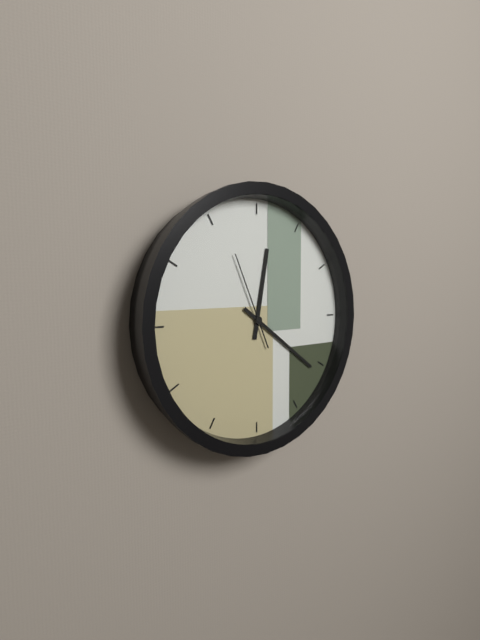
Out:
12 h 21 min 56 s
